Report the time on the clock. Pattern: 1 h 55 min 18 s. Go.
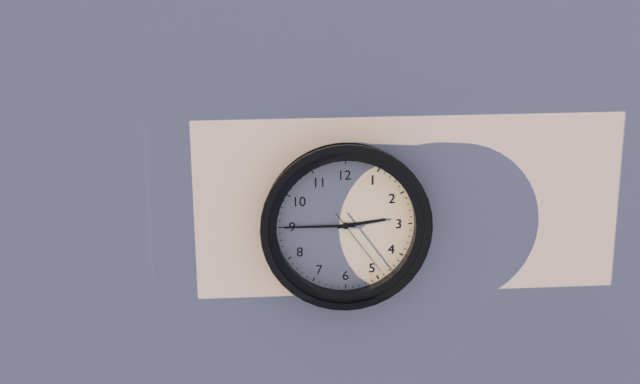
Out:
2 h 45 min 24 s
